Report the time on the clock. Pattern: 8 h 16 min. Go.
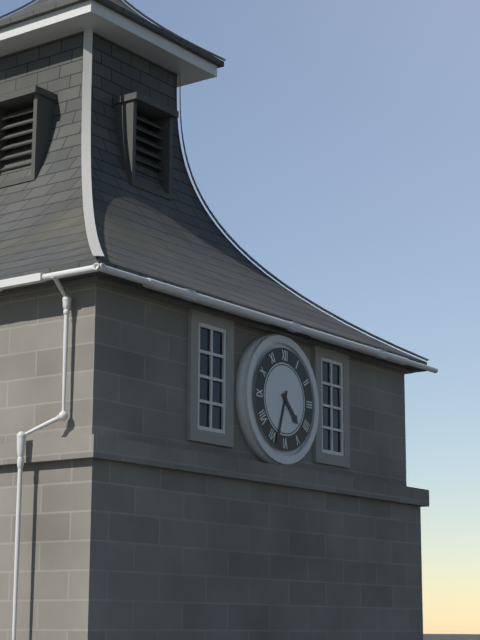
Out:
4 h 33 min
